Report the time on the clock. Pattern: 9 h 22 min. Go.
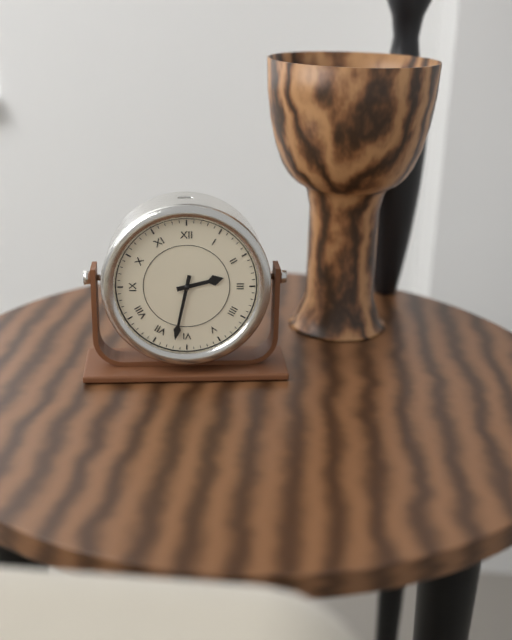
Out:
2 h 32 min
